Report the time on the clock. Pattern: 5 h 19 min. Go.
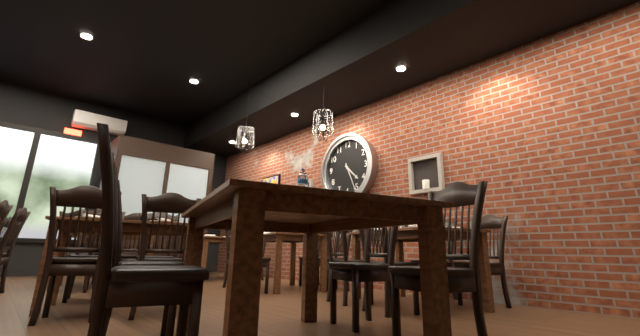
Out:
4 h 26 min
